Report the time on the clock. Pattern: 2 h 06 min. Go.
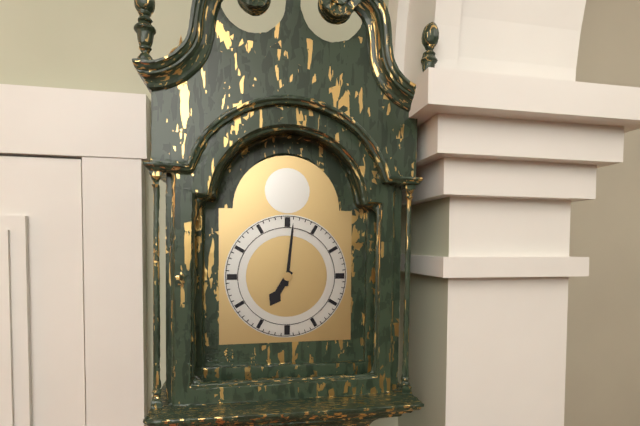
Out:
7 h 01 min
